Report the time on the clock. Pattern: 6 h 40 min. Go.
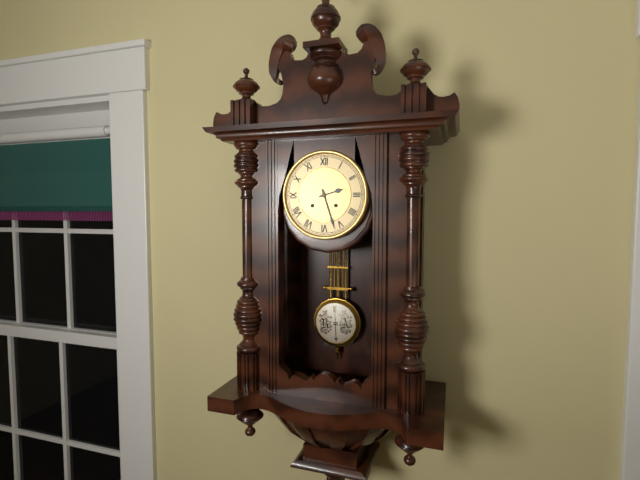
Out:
2 h 27 min
